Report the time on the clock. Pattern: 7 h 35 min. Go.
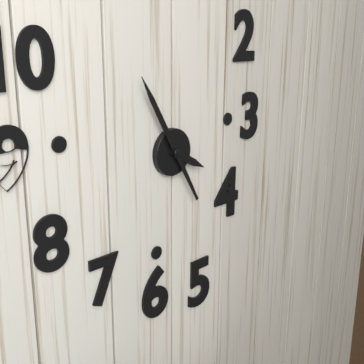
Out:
3 h 55 min
